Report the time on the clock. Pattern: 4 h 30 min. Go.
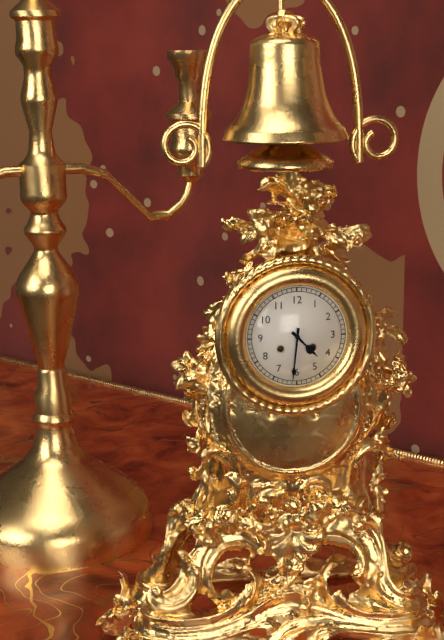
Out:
4 h 31 min
